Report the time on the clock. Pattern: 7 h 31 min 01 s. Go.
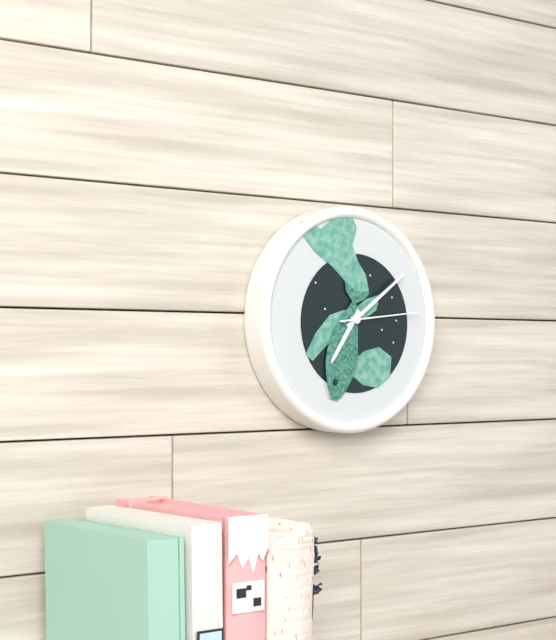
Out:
7 h 09 min 14 s
